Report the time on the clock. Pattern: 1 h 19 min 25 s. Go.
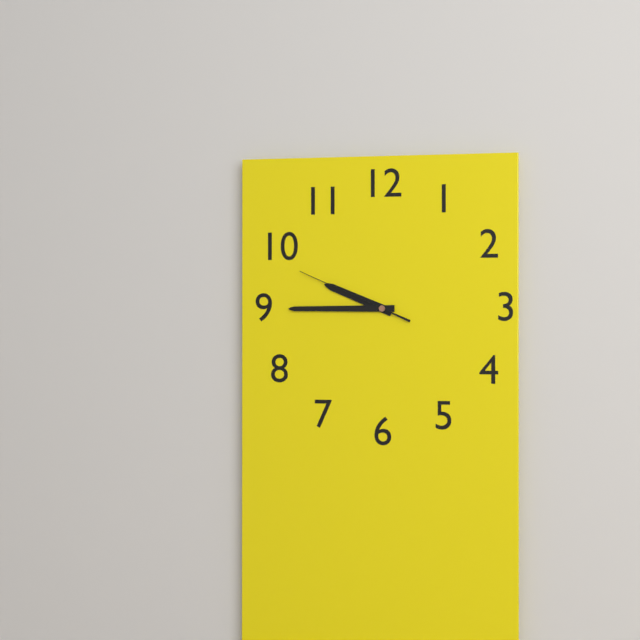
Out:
9 h 45 min 49 s
